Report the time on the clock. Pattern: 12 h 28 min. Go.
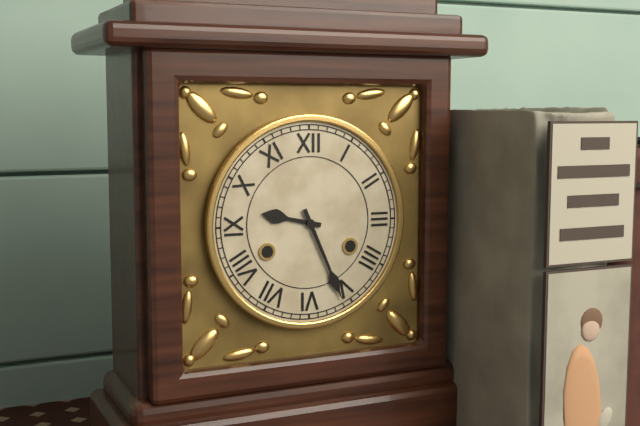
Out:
9 h 26 min
